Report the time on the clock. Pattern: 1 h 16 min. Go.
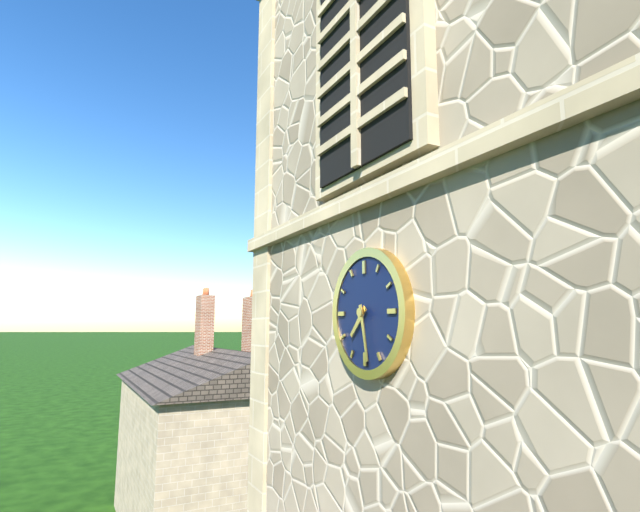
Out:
7 h 28 min
